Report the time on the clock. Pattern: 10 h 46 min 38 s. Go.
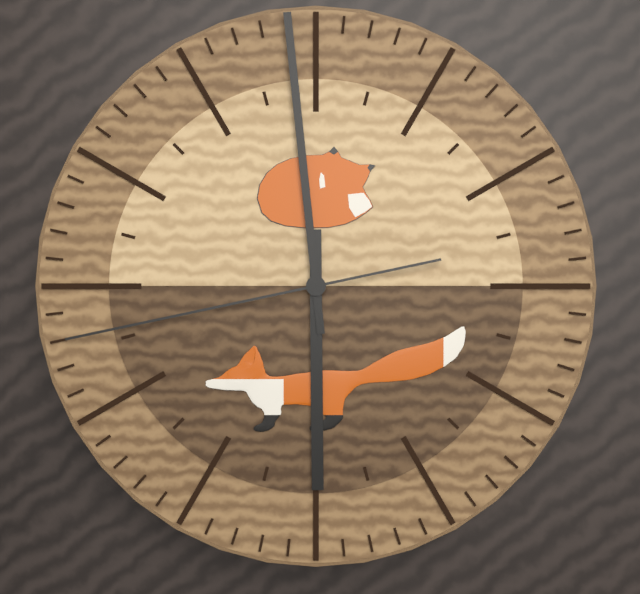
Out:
5 h 59 min 43 s
